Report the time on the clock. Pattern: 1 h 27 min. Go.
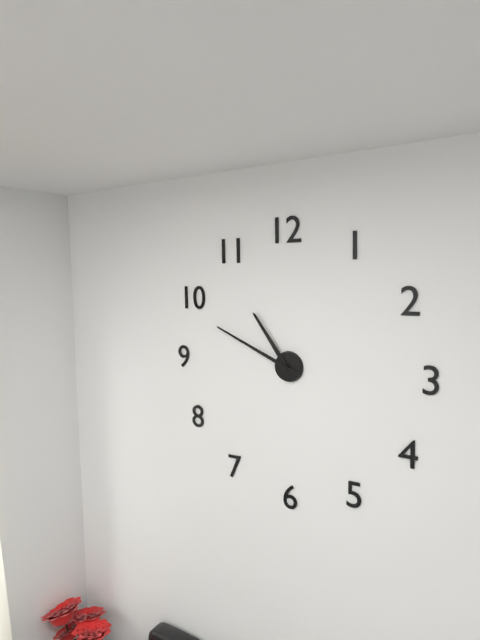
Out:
10 h 49 min
